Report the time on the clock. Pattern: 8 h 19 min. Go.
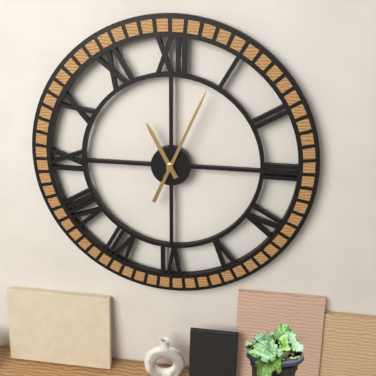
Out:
11 h 04 min
